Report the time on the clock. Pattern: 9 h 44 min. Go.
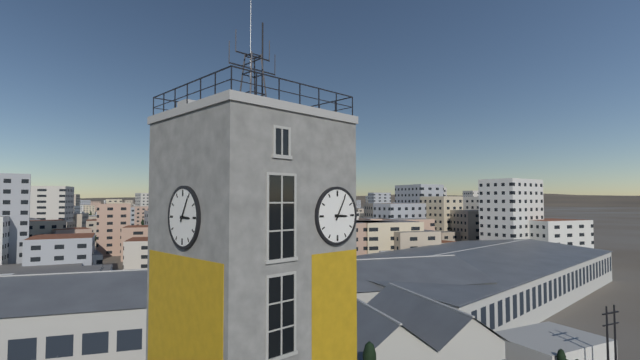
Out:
3 h 05 min
